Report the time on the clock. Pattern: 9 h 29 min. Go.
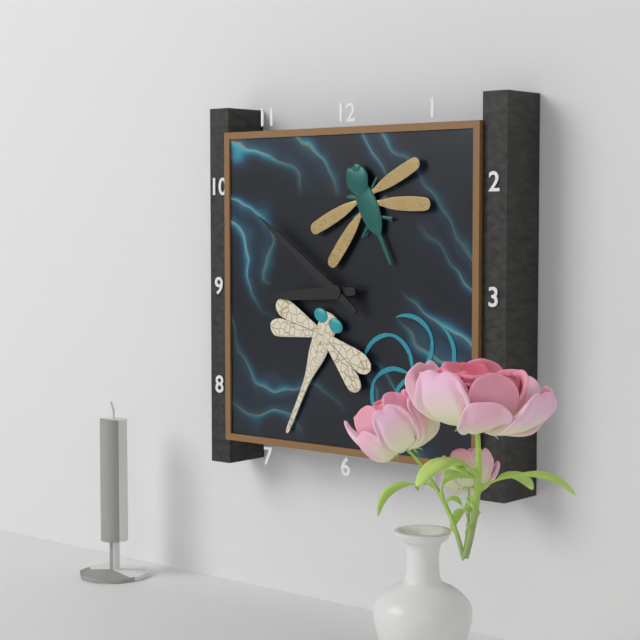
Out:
8 h 51 min
